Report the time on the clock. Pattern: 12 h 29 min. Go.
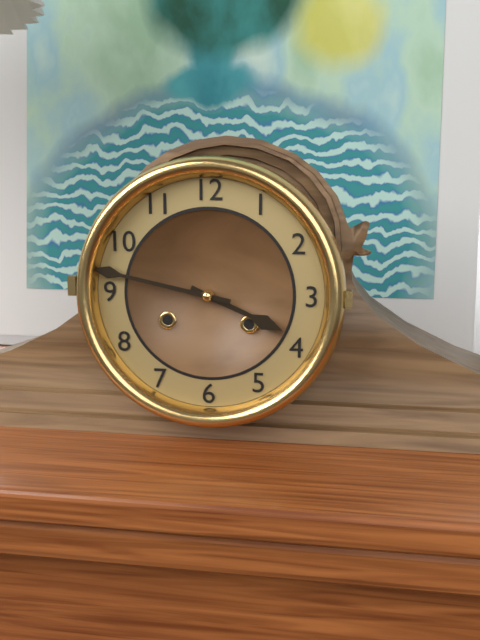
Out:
3 h 47 min
